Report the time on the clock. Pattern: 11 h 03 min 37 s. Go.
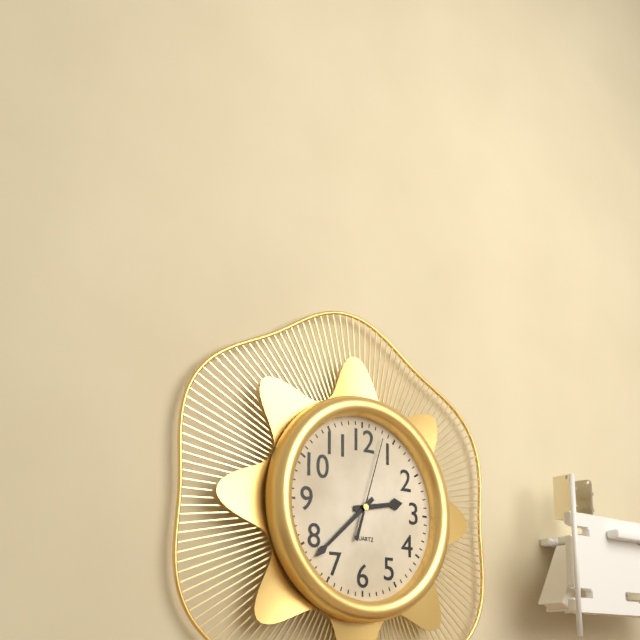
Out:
2 h 38 min 03 s
